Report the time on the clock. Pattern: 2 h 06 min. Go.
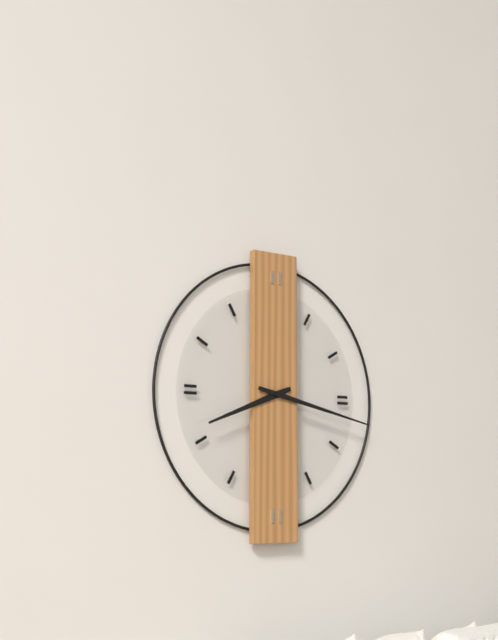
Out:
8 h 17 min
